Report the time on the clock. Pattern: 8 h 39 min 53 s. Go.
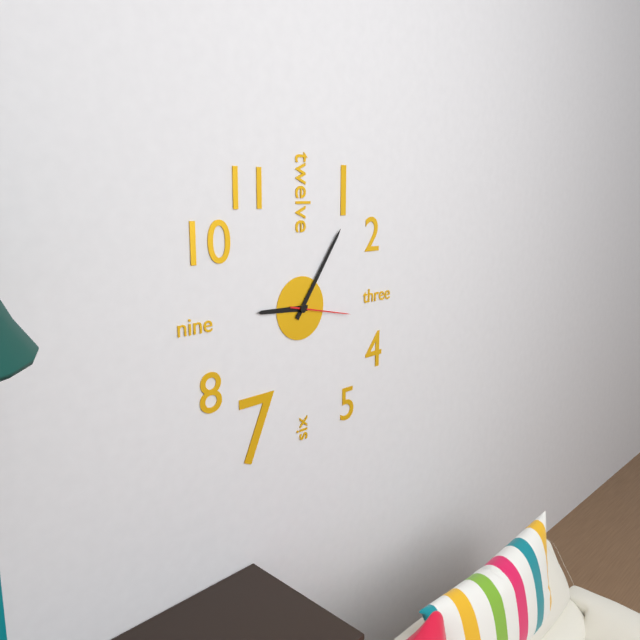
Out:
9 h 06 min 17 s
